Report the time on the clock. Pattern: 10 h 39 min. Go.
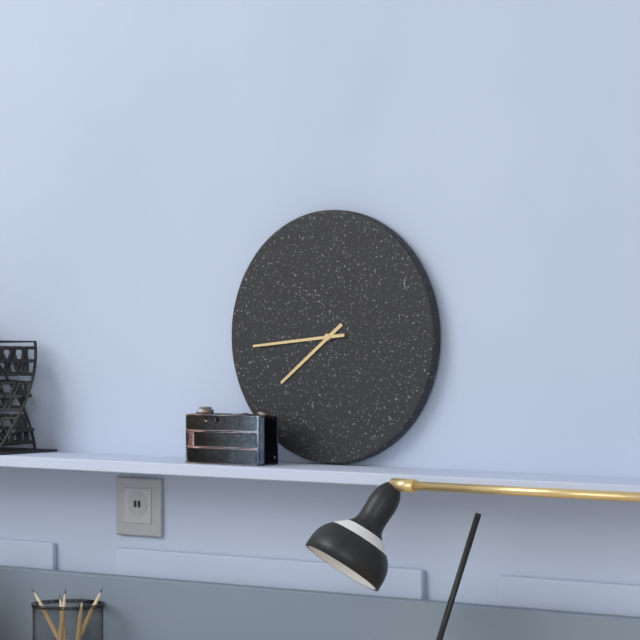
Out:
7 h 44 min
